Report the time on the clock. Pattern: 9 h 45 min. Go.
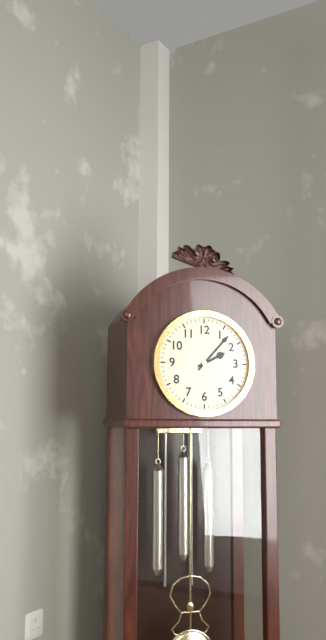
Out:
2 h 07 min
